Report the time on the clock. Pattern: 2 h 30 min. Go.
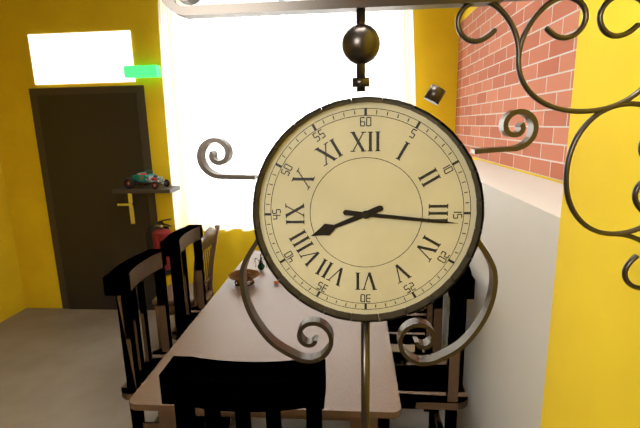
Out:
8 h 16 min
